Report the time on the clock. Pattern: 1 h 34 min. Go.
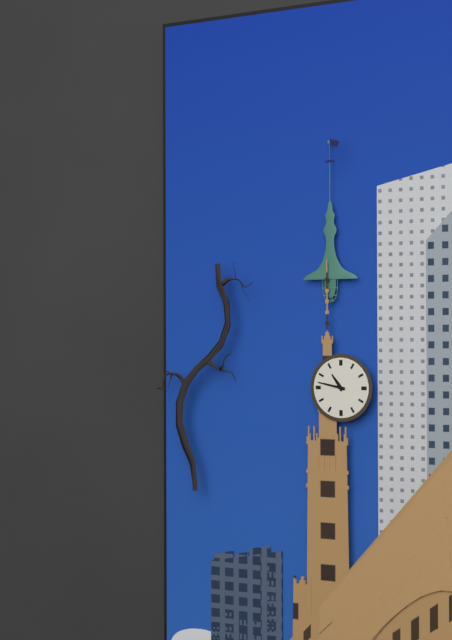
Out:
10 h 47 min
